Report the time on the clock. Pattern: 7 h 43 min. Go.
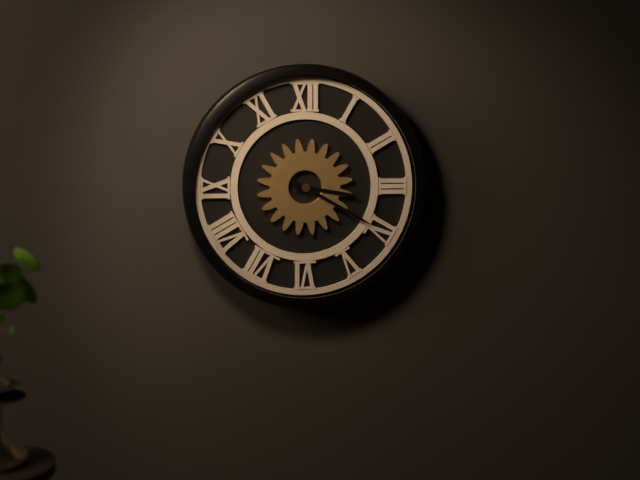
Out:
3 h 20 min
